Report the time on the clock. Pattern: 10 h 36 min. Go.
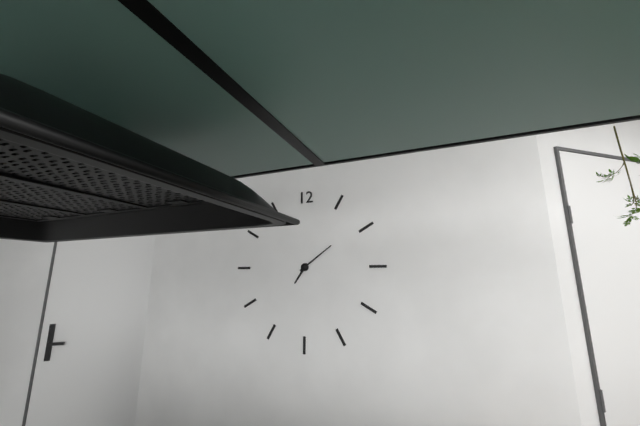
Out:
7 h 09 min
